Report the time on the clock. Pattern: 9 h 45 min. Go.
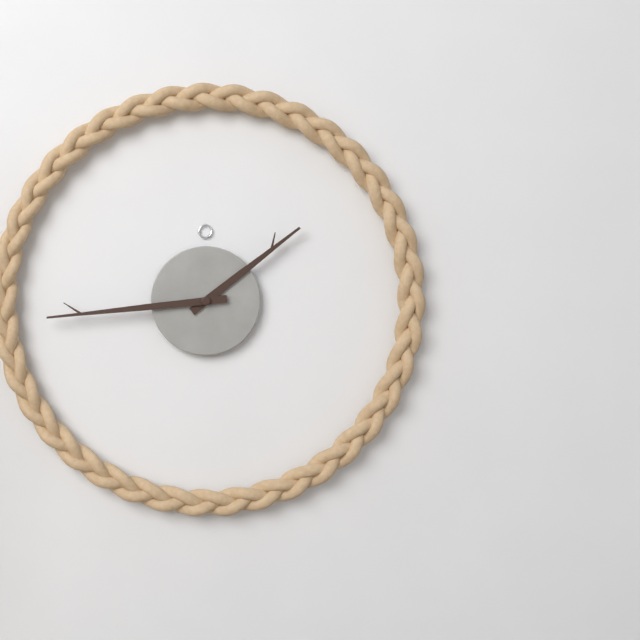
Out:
1 h 44 min
